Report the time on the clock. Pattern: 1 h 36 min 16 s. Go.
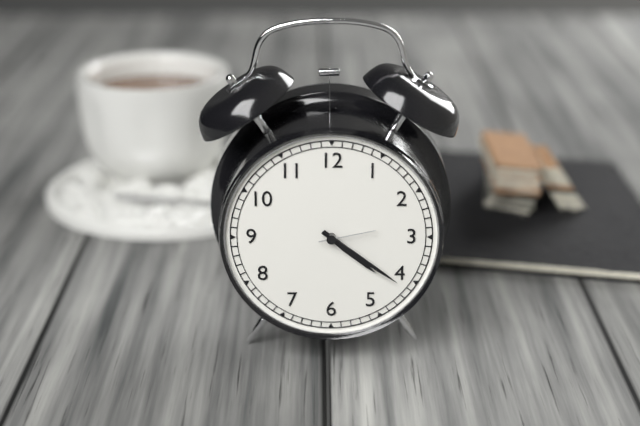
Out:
4 h 21 min 13 s
